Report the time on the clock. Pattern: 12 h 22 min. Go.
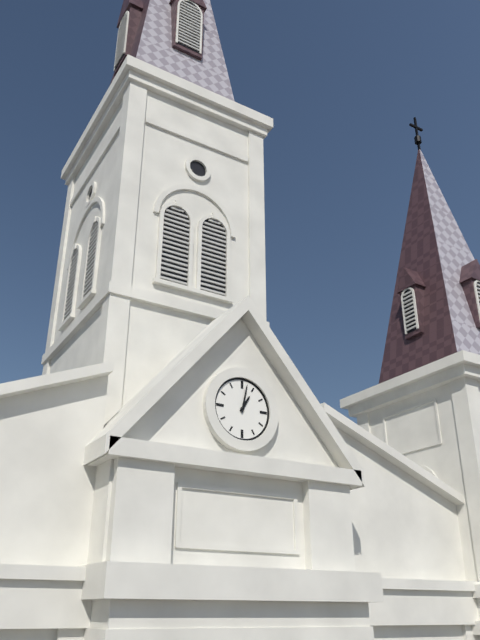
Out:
1 h 02 min
